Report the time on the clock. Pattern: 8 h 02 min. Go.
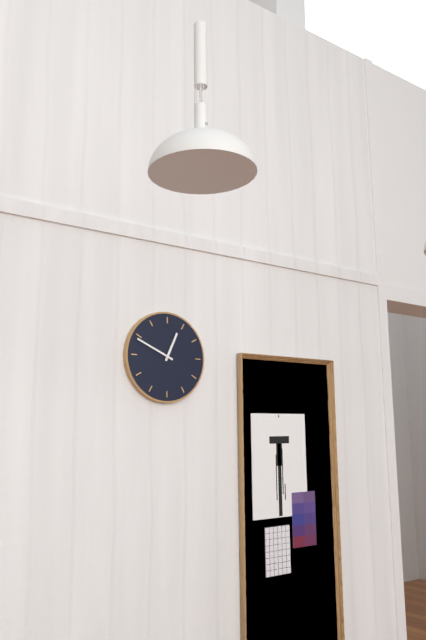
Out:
12 h 49 min
